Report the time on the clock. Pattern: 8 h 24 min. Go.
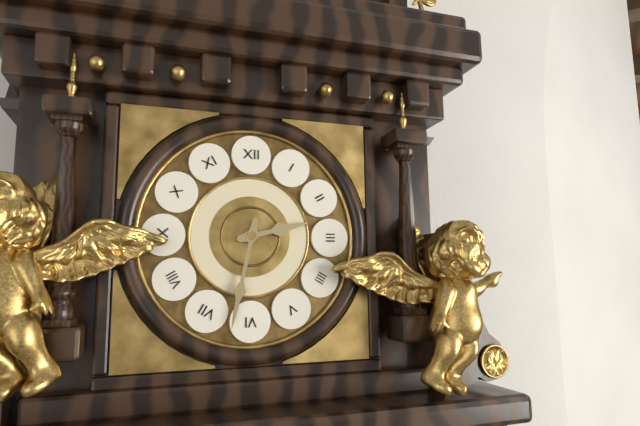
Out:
2 h 32 min
